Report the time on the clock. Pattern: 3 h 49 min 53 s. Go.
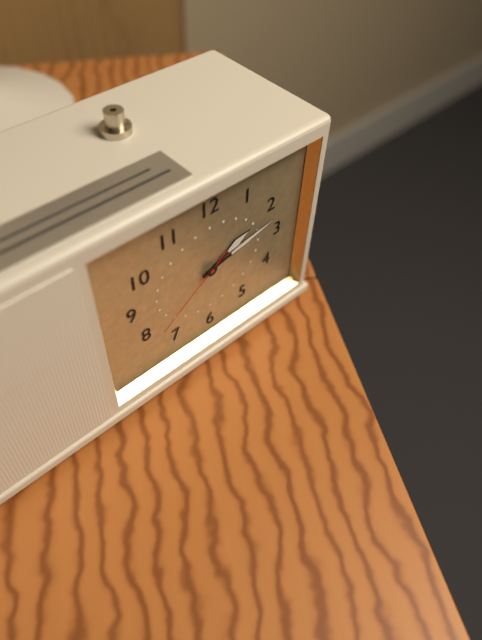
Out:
2 h 13 min 39 s
